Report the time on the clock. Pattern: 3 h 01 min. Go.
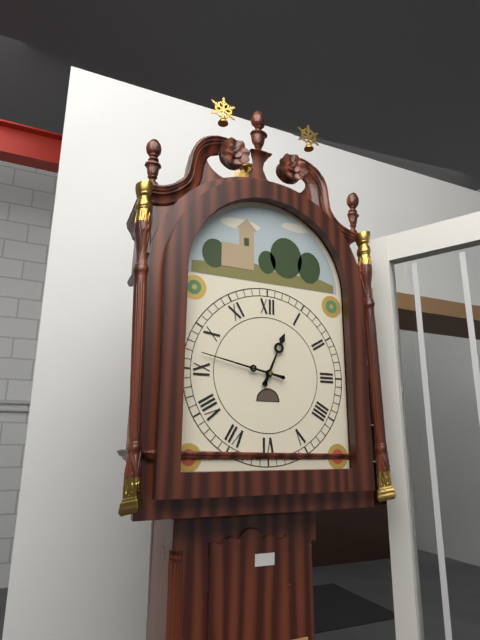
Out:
12 h 47 min
